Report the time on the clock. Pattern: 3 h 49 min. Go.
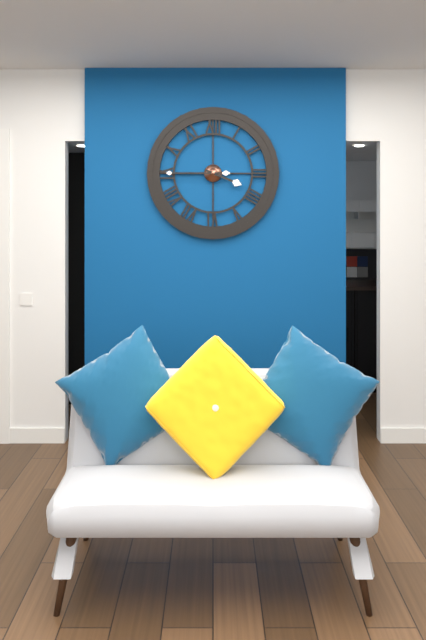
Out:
3 h 45 min
